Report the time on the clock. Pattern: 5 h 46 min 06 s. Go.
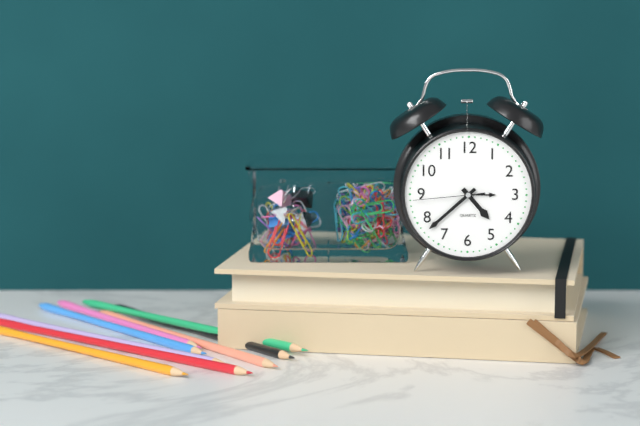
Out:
4 h 38 min 44 s
